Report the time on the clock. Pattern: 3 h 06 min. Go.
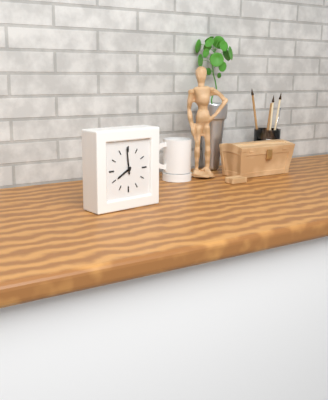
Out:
7 h 59 min
